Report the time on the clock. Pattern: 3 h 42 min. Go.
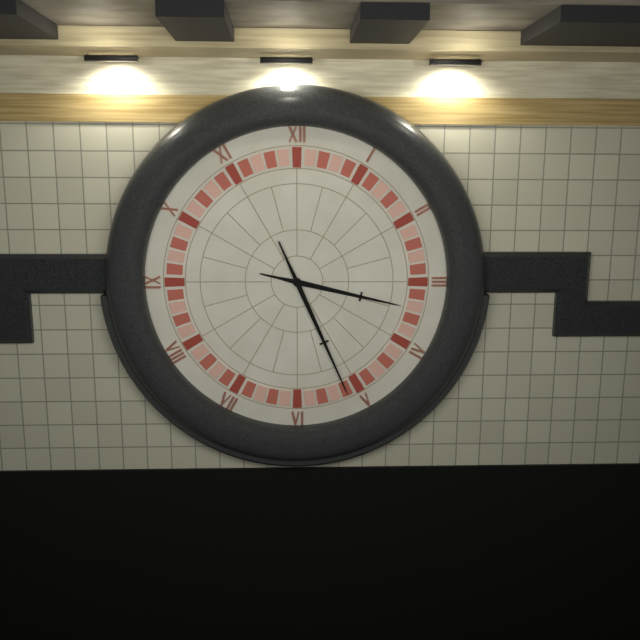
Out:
3 h 26 min
